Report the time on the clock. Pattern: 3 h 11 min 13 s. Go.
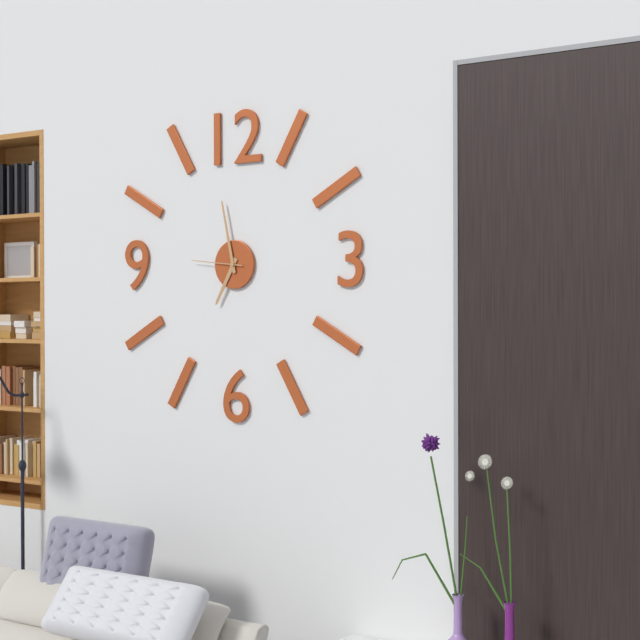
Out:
6 h 58 min 46 s
